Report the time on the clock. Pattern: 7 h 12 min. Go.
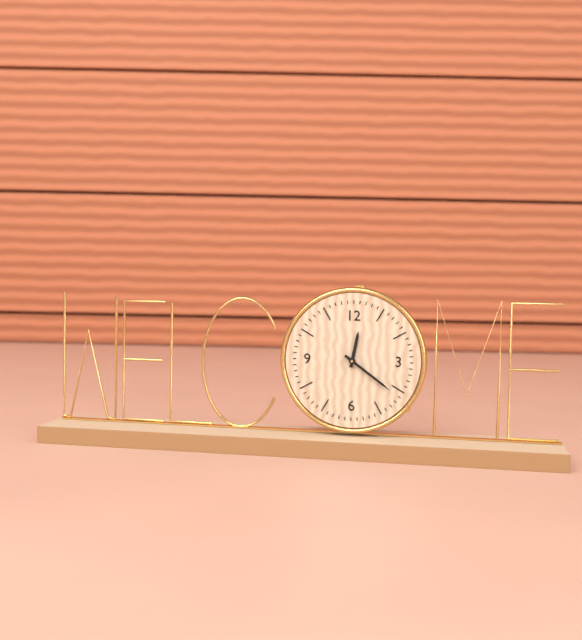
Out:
12 h 21 min
